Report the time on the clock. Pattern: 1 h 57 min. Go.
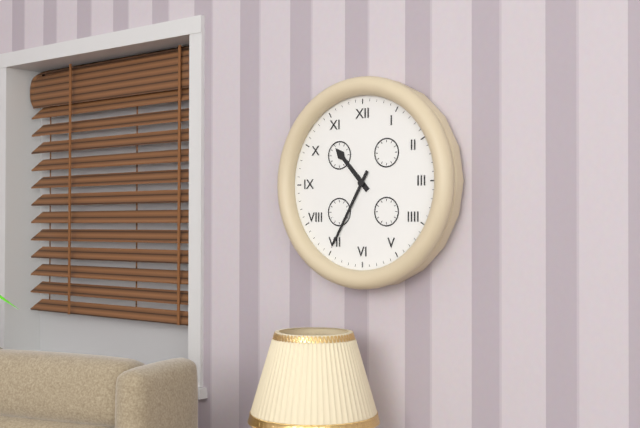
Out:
10 h 35 min
